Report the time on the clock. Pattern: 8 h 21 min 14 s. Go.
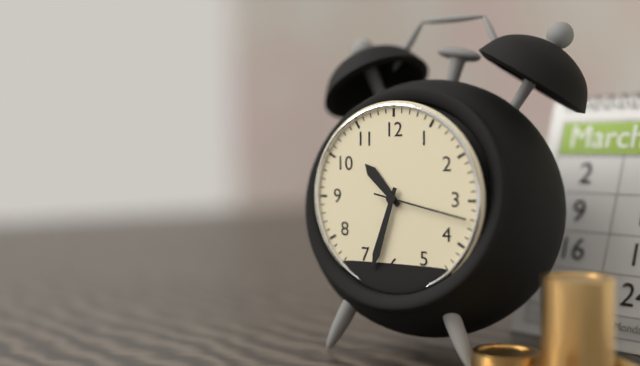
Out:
10 h 33 min 17 s
